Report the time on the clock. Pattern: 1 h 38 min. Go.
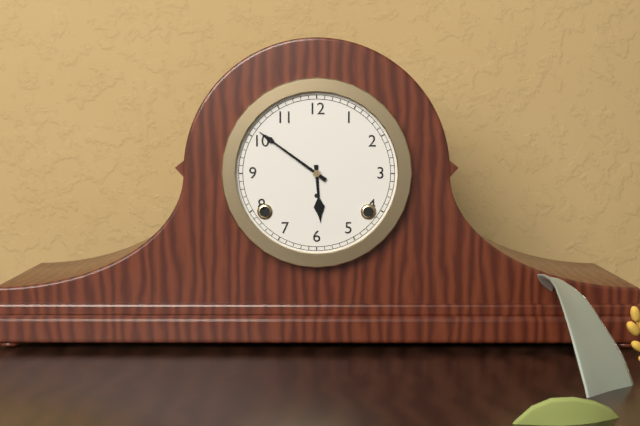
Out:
5 h 51 min
